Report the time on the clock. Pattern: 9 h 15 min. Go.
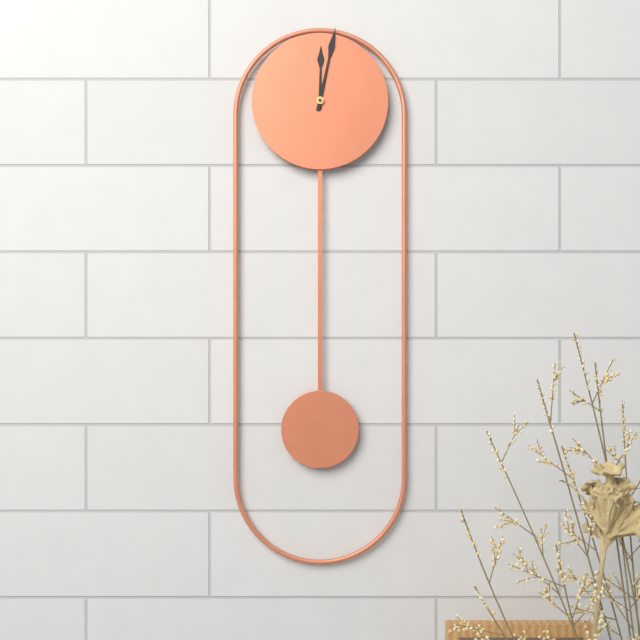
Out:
12 h 02 min
